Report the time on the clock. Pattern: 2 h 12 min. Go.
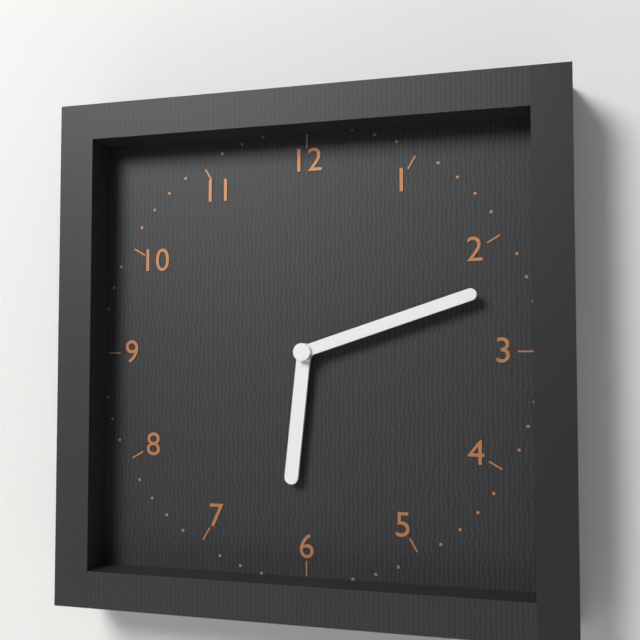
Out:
6 h 12 min
